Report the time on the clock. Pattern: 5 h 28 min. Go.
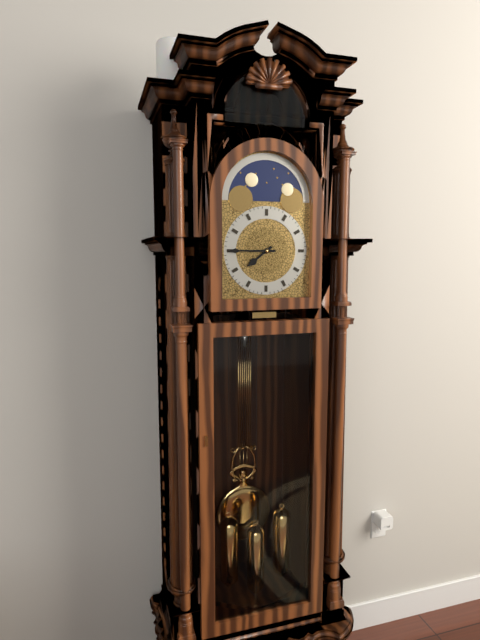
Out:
7 h 45 min
